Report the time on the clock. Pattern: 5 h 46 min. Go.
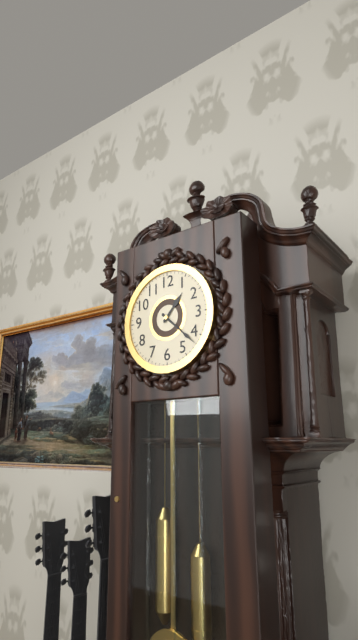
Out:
1 h 22 min
